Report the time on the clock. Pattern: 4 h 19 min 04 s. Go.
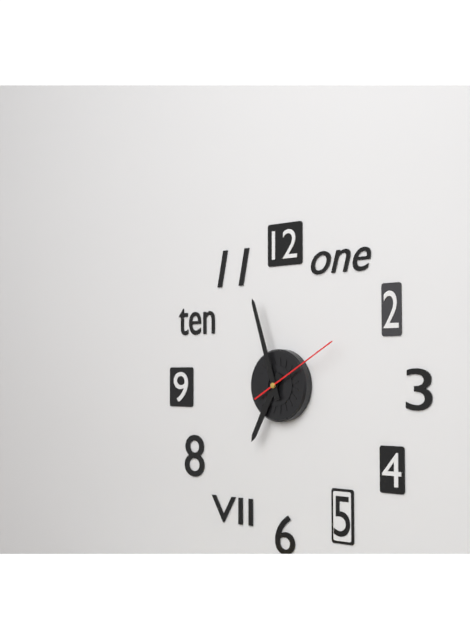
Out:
6 h 57 min 10 s
